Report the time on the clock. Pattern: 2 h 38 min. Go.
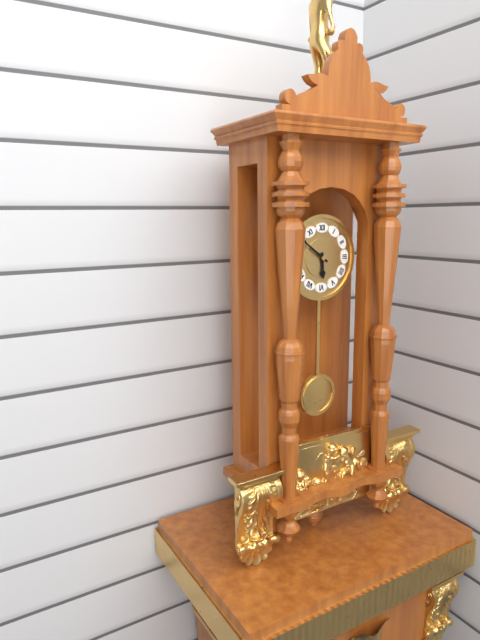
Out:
5 h 51 min
